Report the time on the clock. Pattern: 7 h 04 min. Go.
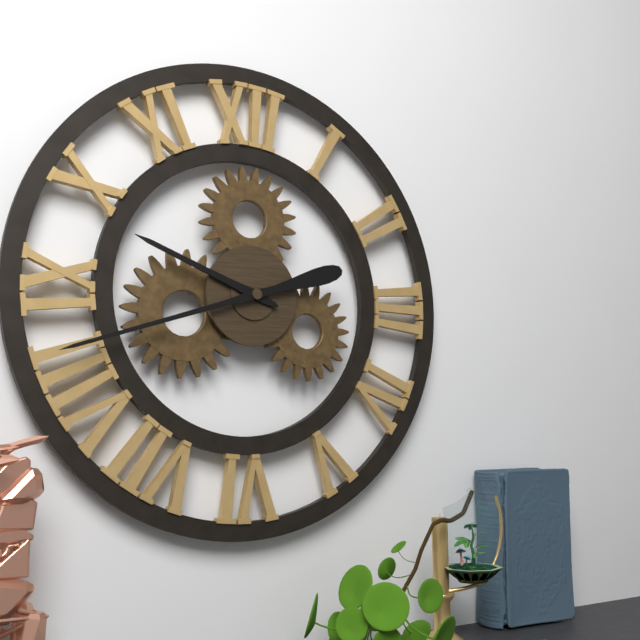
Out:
9 h 42 min
